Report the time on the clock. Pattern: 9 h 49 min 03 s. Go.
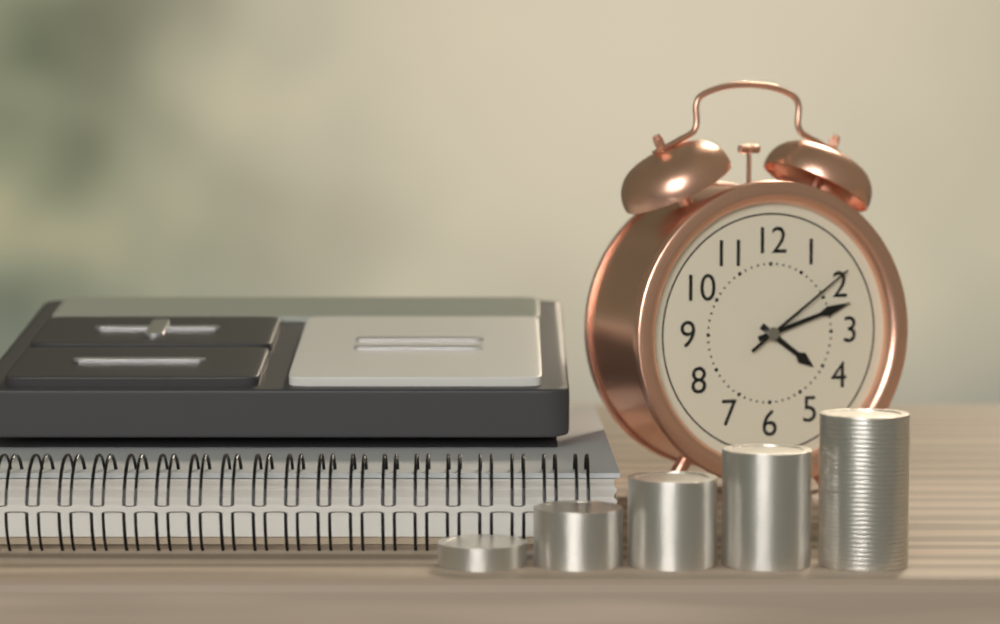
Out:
4 h 12 min 09 s
